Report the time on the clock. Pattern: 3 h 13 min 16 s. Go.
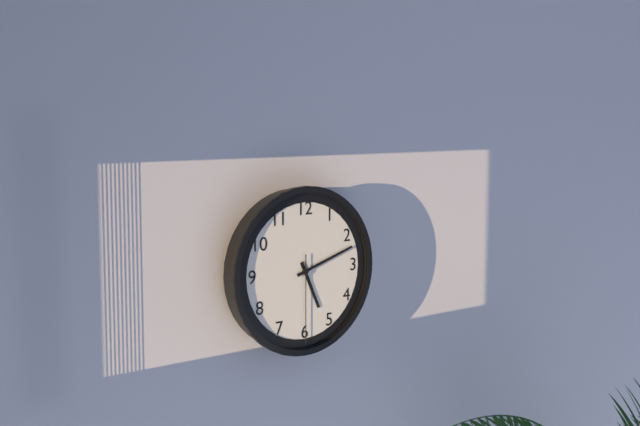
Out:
5 h 12 min 30 s
